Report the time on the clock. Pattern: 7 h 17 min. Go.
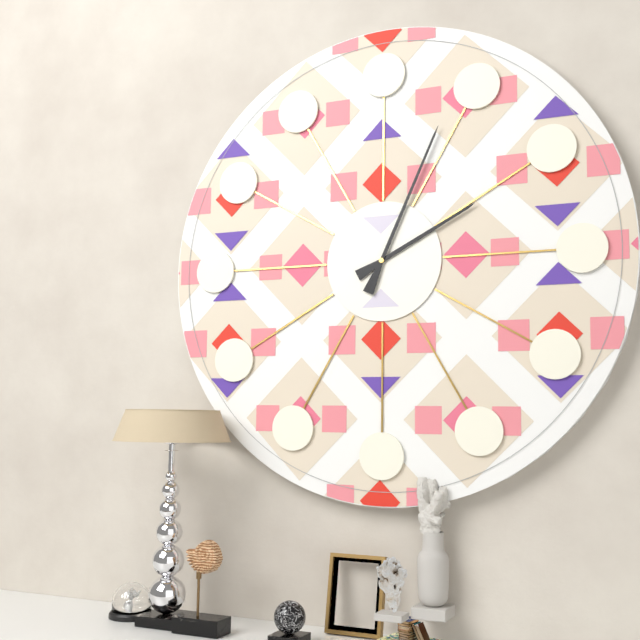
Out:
2 h 04 min
